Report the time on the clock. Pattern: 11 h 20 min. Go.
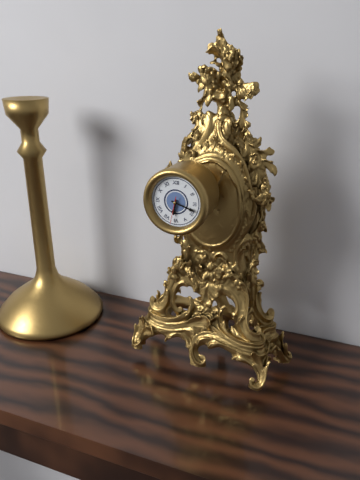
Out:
6 h 18 min
